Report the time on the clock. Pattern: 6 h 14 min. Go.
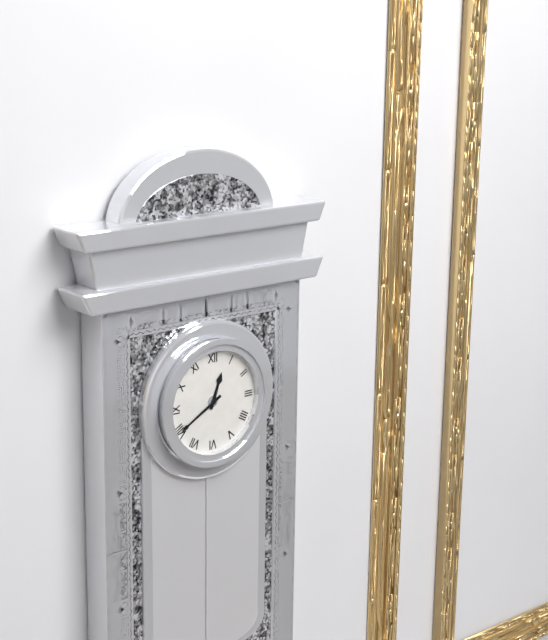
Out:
12 h 40 min
